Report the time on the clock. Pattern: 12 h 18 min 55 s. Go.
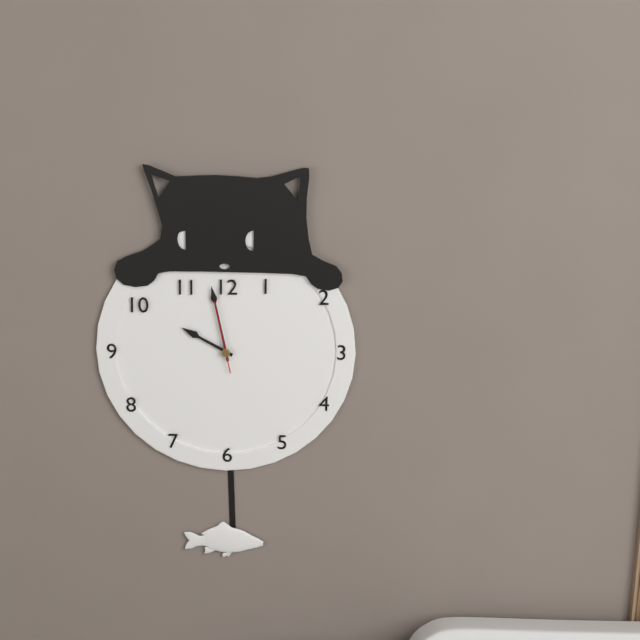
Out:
9 h 58 min 58 s
